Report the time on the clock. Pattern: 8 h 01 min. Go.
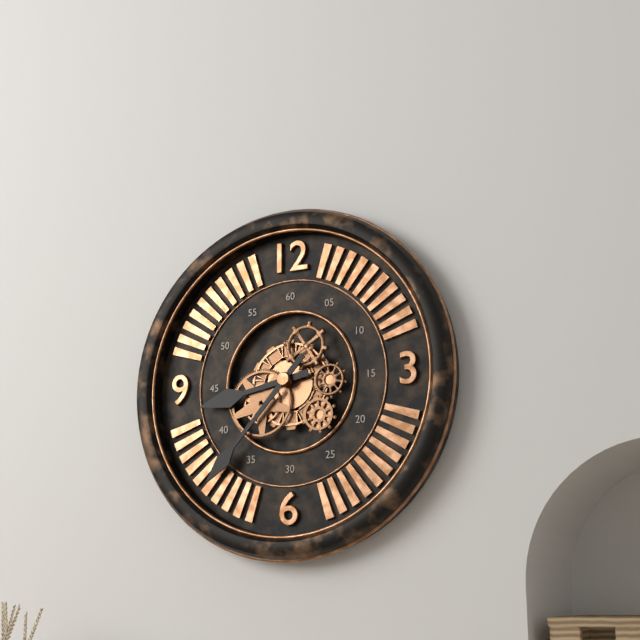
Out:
8 h 37 min
